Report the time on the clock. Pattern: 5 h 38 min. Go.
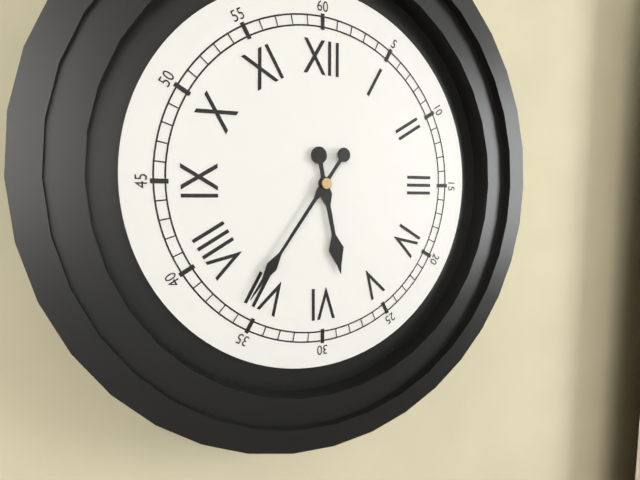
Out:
5 h 36 min
